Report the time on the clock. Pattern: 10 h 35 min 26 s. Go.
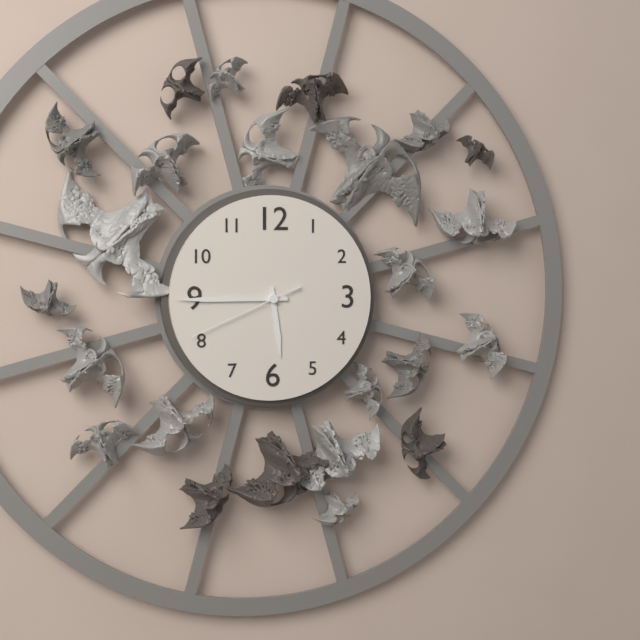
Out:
5 h 45 min 41 s
